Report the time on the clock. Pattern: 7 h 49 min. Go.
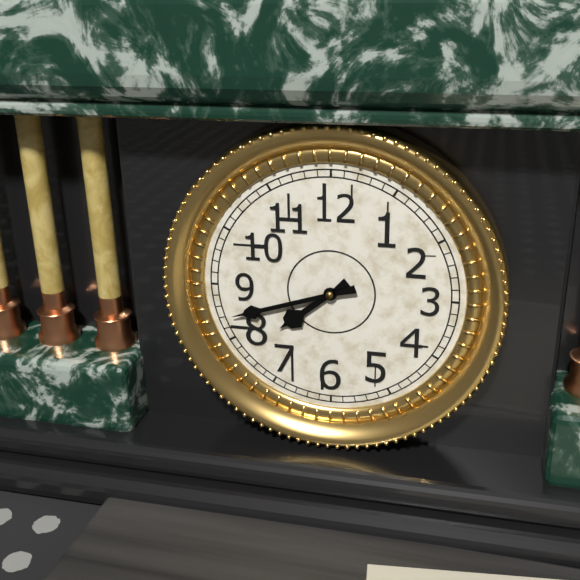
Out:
7 h 42 min
